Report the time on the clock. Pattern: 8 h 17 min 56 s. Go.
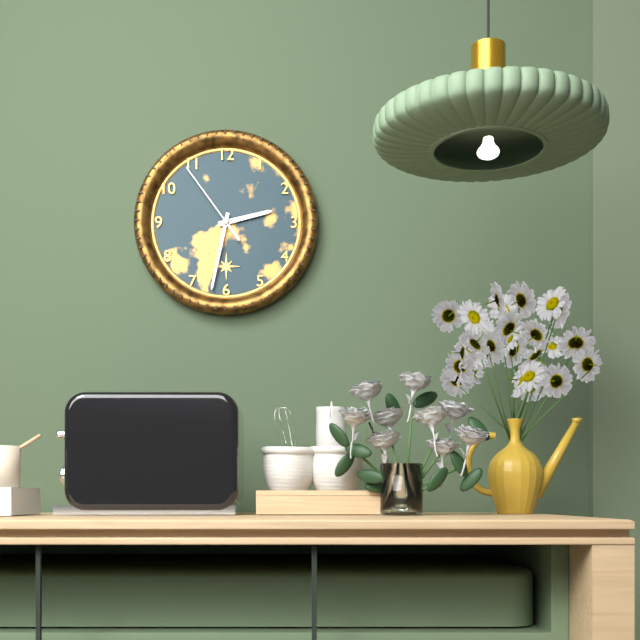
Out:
2 h 32 min 54 s
